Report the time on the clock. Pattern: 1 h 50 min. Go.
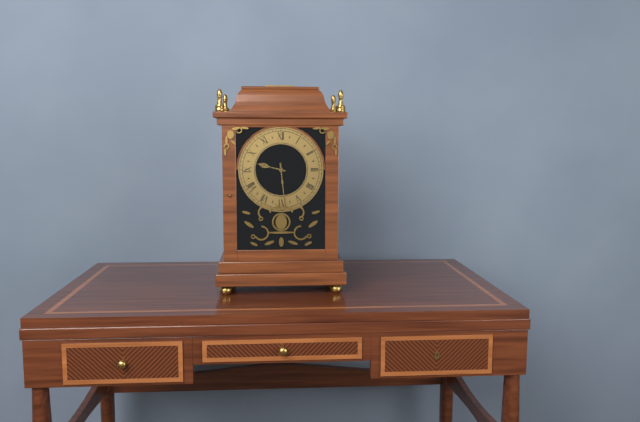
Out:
9 h 29 min
